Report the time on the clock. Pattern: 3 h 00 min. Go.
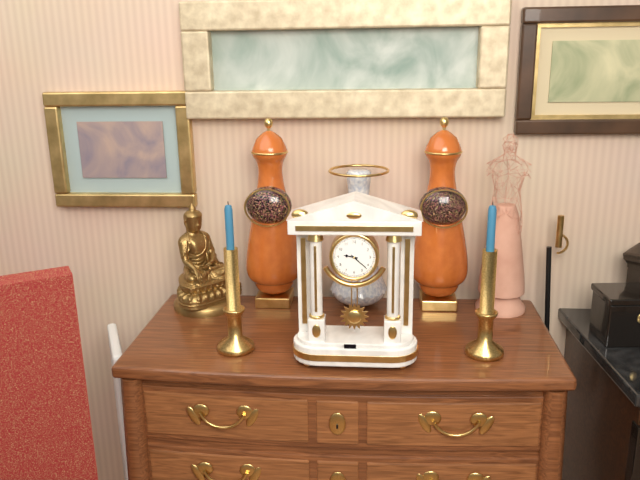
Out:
9 h 22 min
